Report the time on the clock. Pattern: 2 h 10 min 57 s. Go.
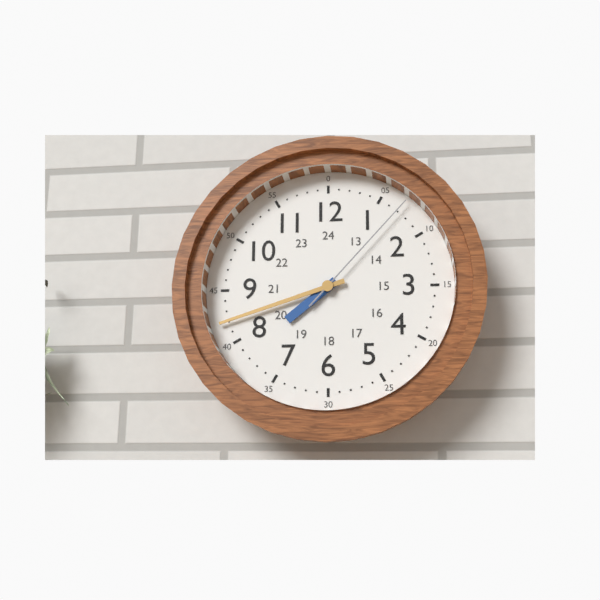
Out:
7 h 42 min 07 s
